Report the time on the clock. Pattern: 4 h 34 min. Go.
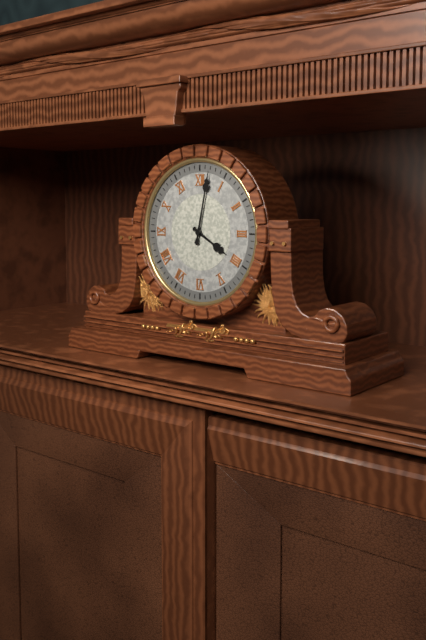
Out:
4 h 02 min
